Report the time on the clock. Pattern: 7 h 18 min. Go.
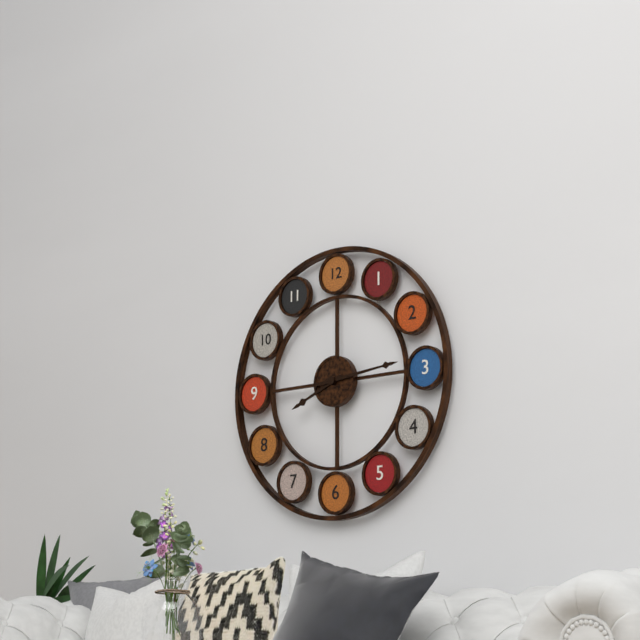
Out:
8 h 14 min
